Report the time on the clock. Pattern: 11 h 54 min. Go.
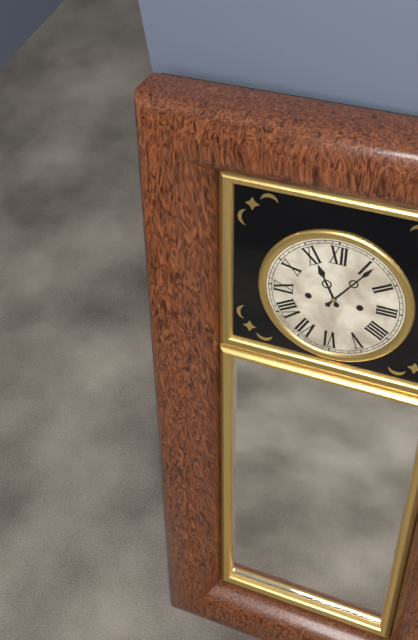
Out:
11 h 06 min
